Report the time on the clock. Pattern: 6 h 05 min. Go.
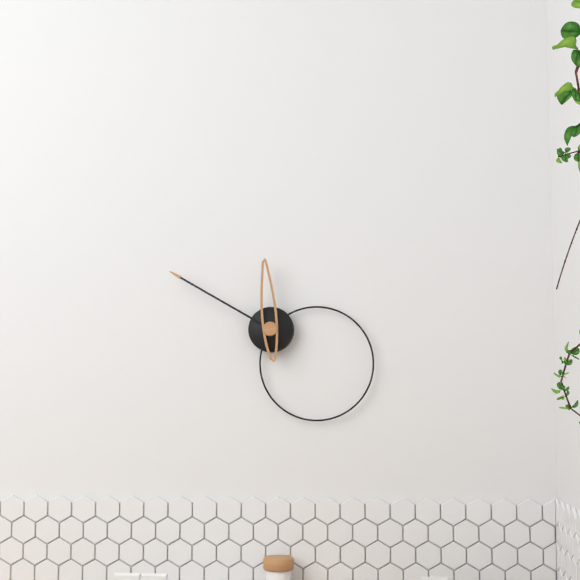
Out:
11 h 50 min
